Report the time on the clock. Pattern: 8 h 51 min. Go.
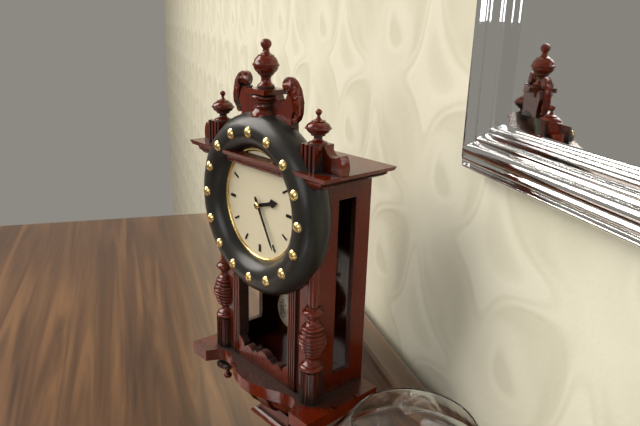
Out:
2 h 25 min
